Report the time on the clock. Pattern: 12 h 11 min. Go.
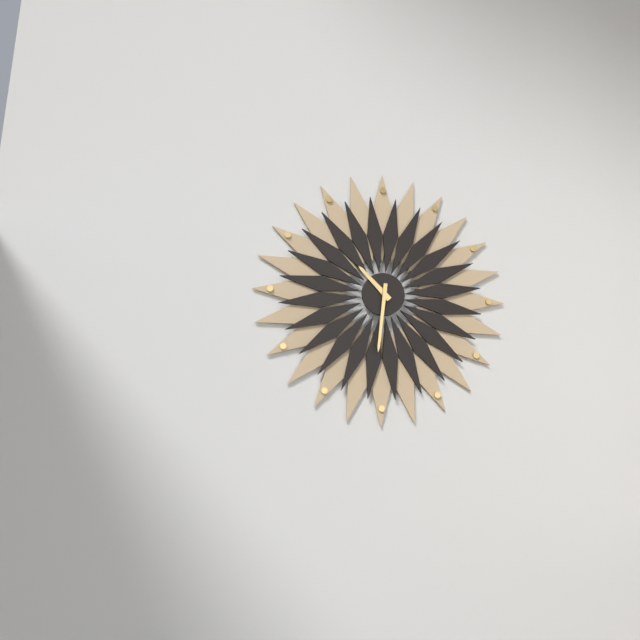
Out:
10 h 31 min
